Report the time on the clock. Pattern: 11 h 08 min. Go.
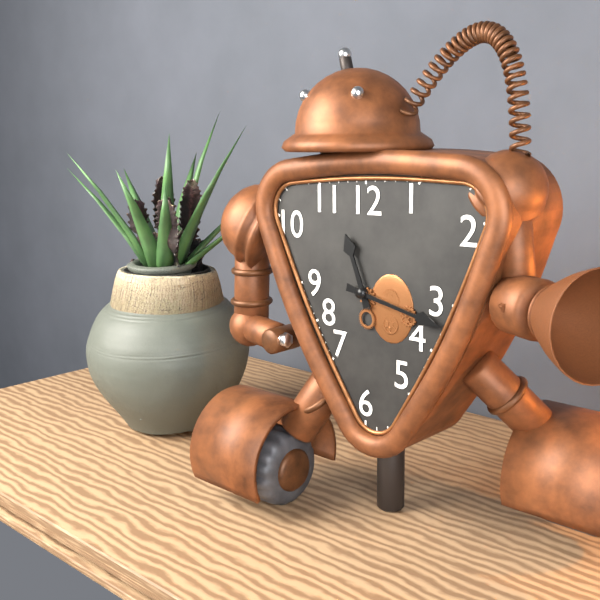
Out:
11 h 17 min
